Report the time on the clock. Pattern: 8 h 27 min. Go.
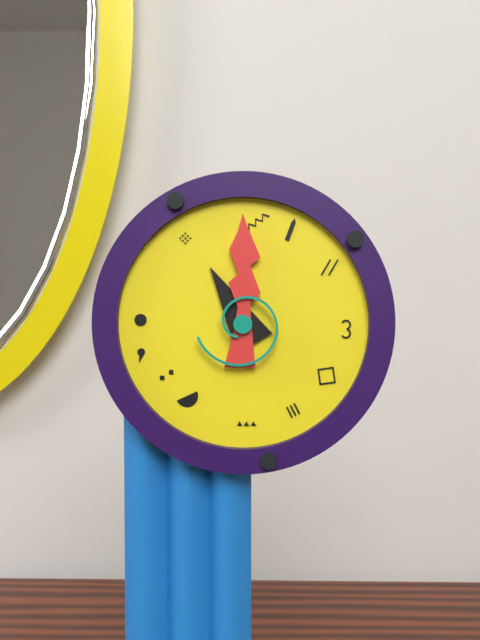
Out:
11 h 00 min
